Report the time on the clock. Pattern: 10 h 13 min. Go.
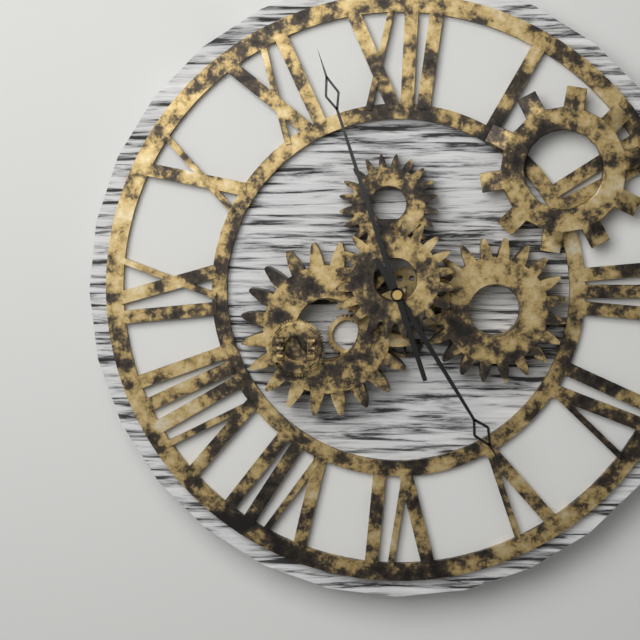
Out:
4 h 57 min
